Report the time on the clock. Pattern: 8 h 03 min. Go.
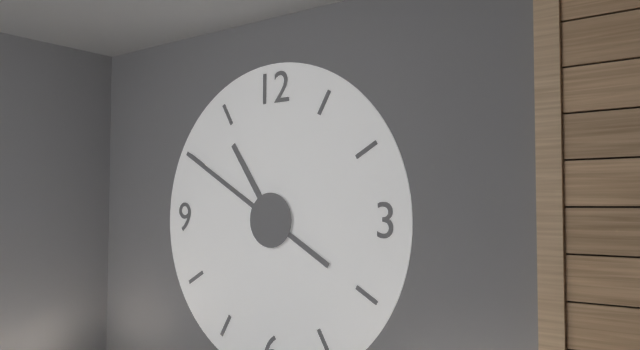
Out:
10 h 50 min
